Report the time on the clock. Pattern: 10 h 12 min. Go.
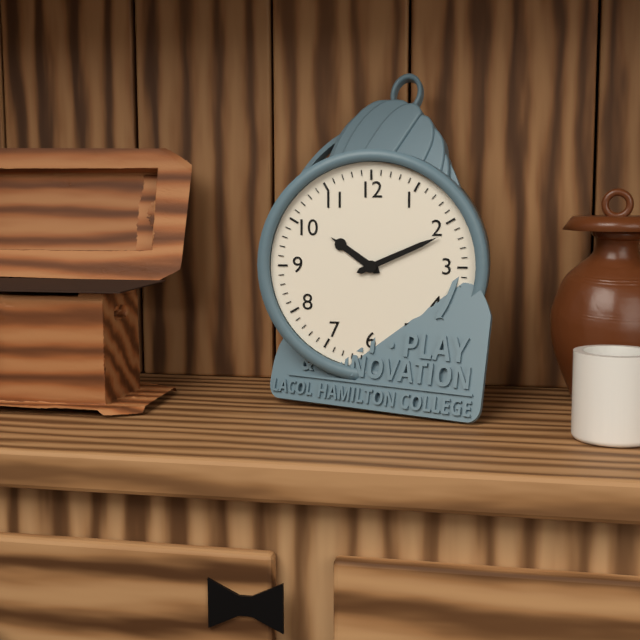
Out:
10 h 11 min
